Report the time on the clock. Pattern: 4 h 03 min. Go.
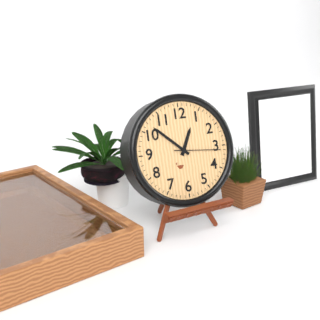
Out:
12 h 52 min
